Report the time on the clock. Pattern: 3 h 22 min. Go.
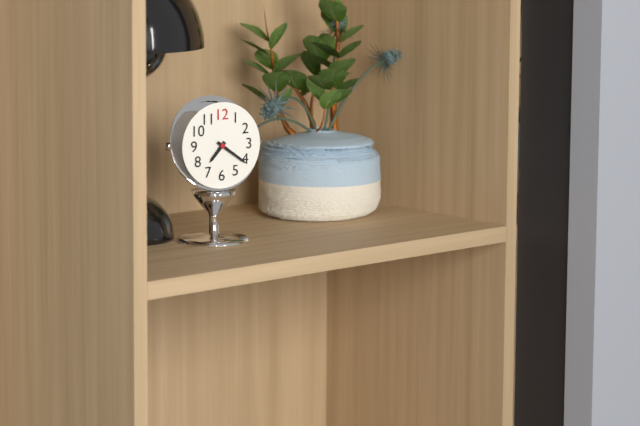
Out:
7 h 21 min
